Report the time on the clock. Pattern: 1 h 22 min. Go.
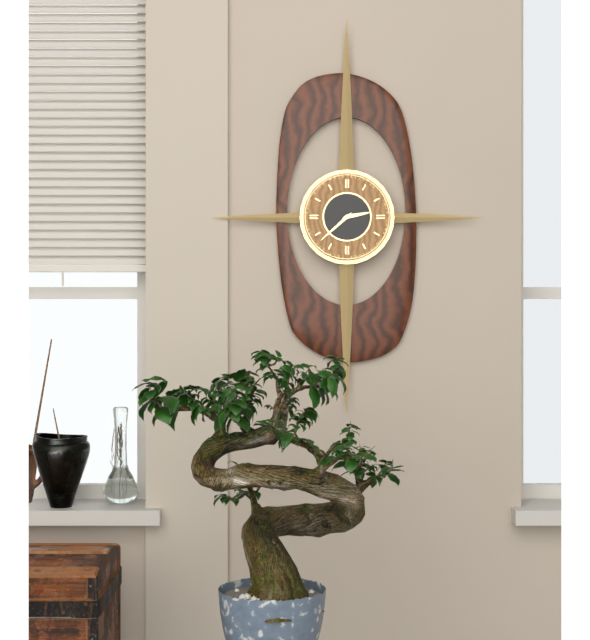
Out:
2 h 38 min
